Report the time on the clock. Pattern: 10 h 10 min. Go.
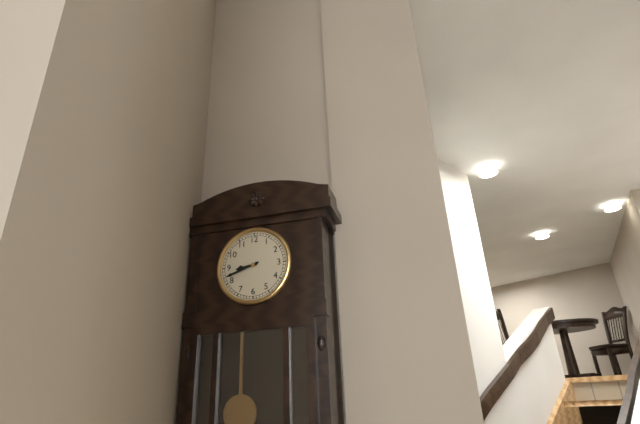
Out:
8 h 42 min
